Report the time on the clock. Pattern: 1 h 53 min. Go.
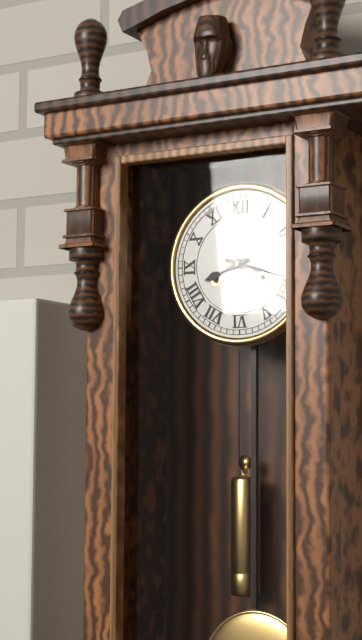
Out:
8 h 18 min
